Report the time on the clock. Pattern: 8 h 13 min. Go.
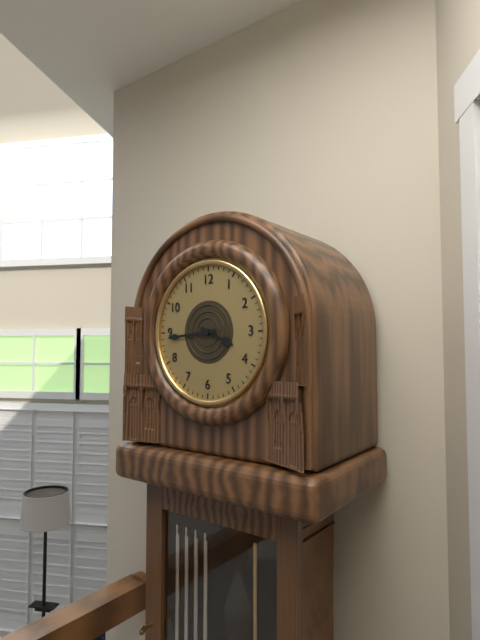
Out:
3 h 44 min
